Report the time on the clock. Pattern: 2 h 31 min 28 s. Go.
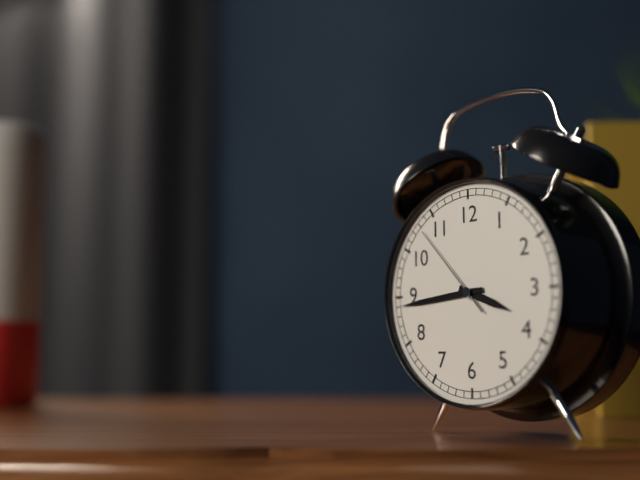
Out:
3 h 44 min 53 s
